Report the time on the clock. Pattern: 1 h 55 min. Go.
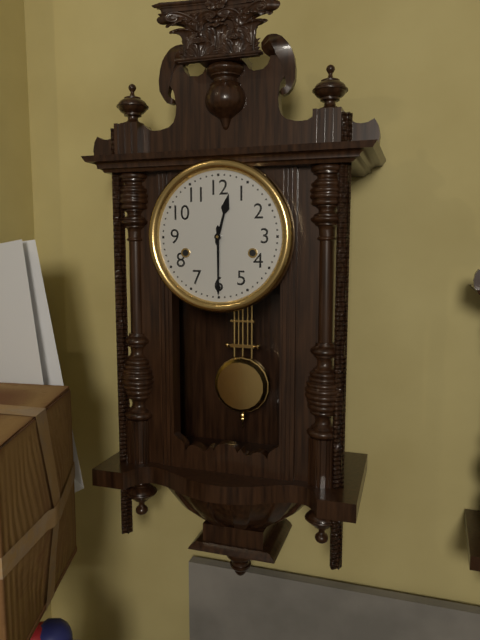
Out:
12 h 30 min
